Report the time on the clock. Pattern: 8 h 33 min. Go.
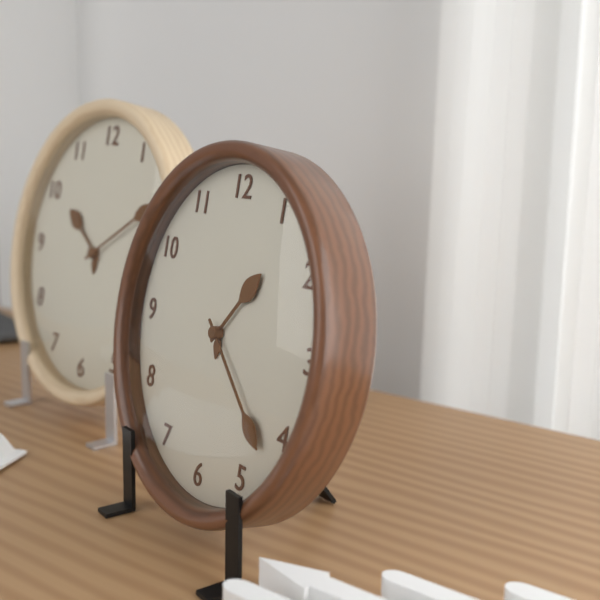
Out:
1 h 22 min
